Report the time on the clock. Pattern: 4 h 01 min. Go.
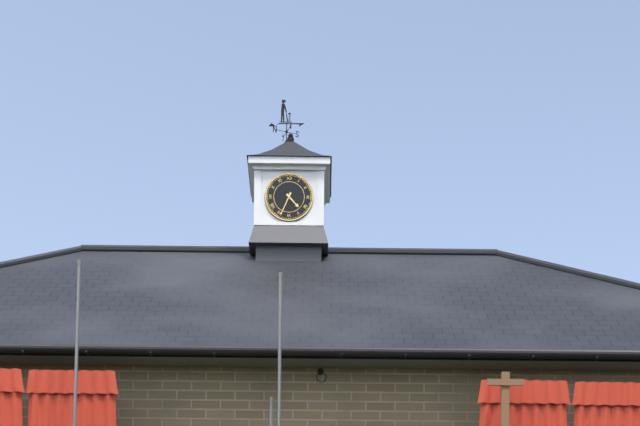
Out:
4 h 34 min
